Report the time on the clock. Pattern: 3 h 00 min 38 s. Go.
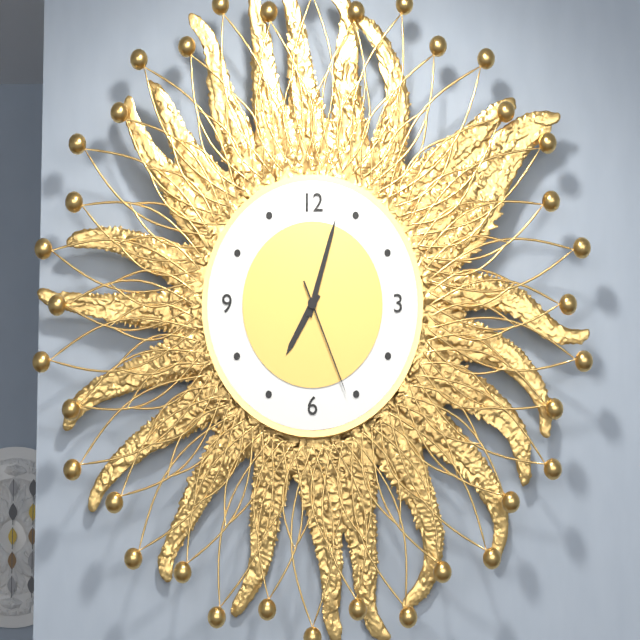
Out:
7 h 03 min 26 s
